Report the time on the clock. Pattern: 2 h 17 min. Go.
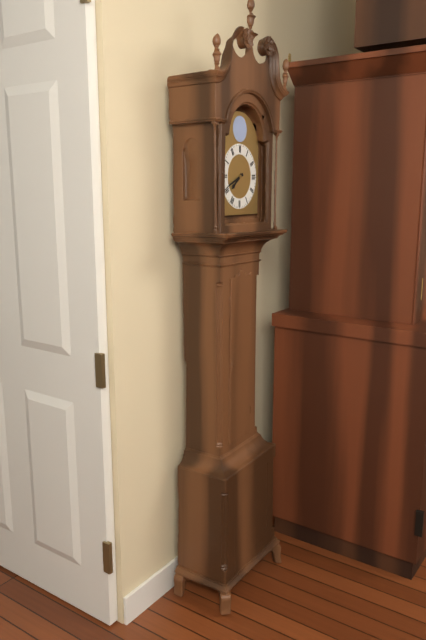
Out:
7 h 41 min
